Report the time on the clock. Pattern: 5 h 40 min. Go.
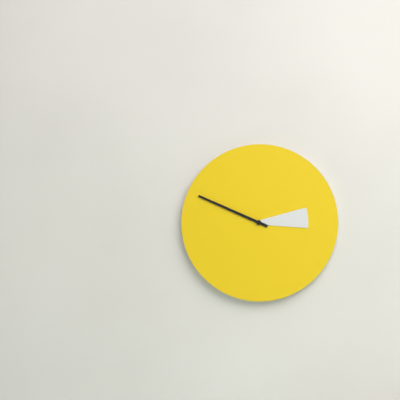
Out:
2 h 49 min
